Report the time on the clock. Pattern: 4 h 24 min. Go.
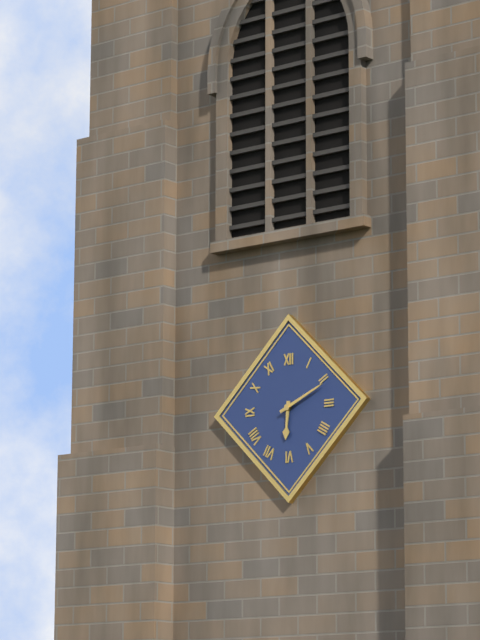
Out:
6 h 11 min
